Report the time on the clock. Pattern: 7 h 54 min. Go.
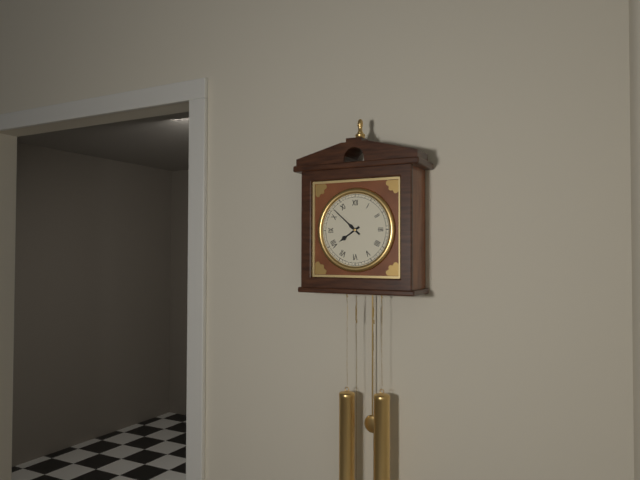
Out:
7 h 52 min
